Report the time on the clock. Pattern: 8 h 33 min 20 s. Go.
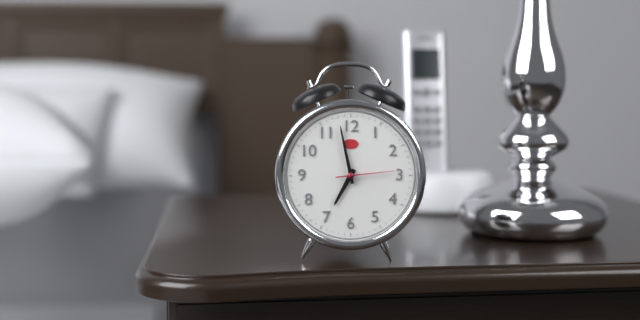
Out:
6 h 58 min 14 s
